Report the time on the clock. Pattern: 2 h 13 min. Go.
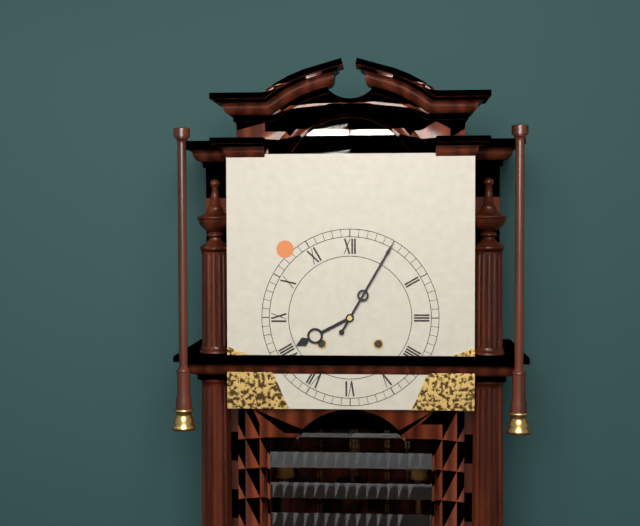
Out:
8 h 05 min
